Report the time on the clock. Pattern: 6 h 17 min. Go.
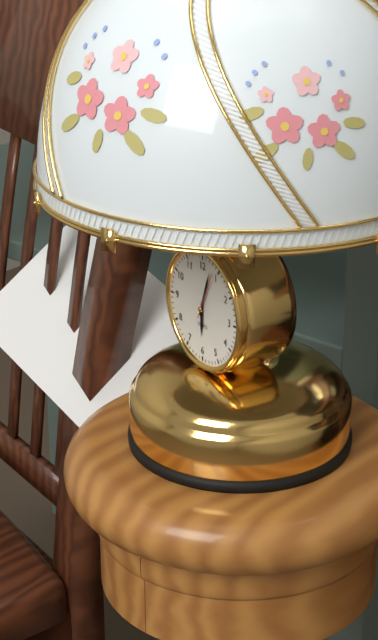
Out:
6 h 03 min
